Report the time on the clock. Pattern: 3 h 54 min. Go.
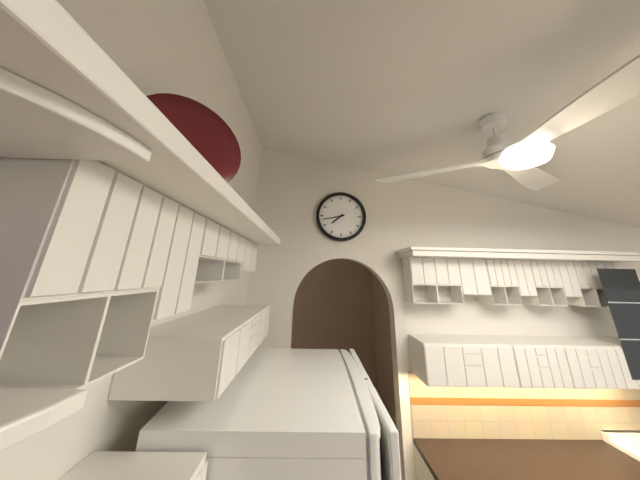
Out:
7 h 43 min
